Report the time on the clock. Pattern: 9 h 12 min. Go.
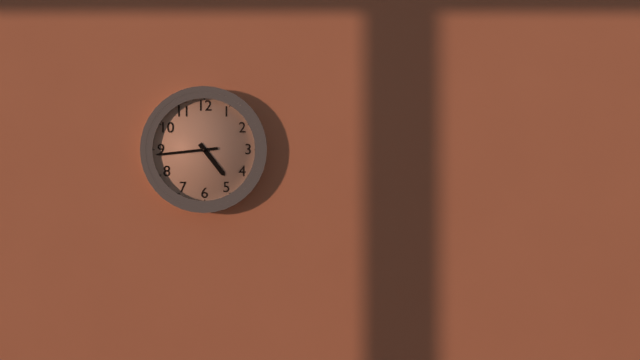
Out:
4 h 44 min
